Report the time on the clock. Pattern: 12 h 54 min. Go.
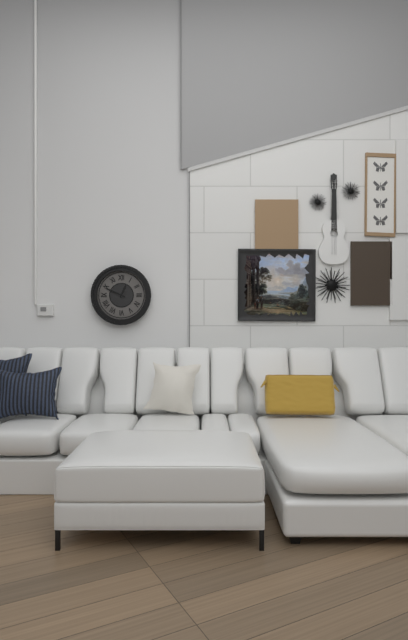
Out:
12 h 49 min
